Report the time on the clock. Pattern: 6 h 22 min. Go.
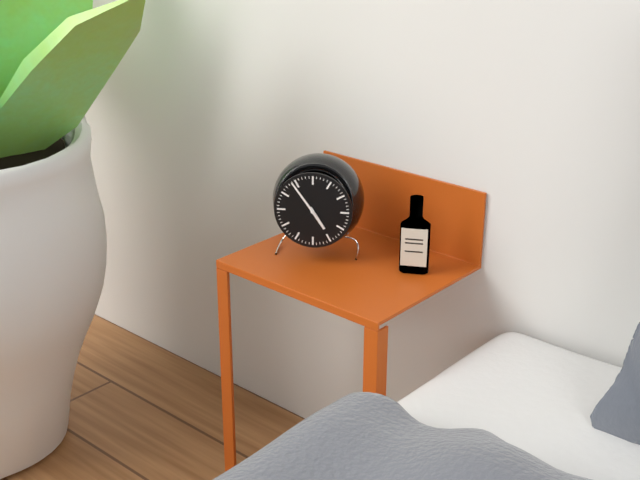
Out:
4 h 54 min
